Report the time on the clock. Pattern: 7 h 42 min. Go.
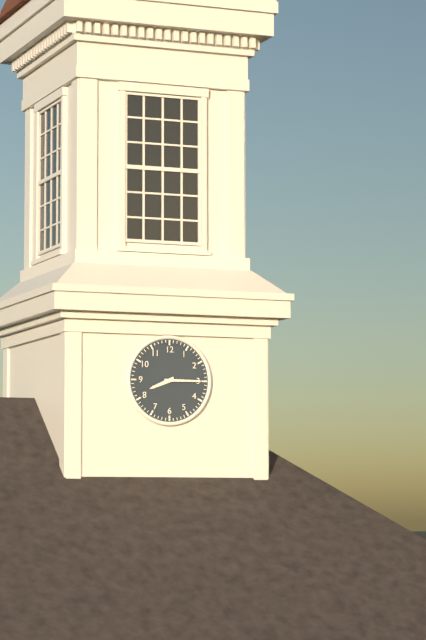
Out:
8 h 15 min
